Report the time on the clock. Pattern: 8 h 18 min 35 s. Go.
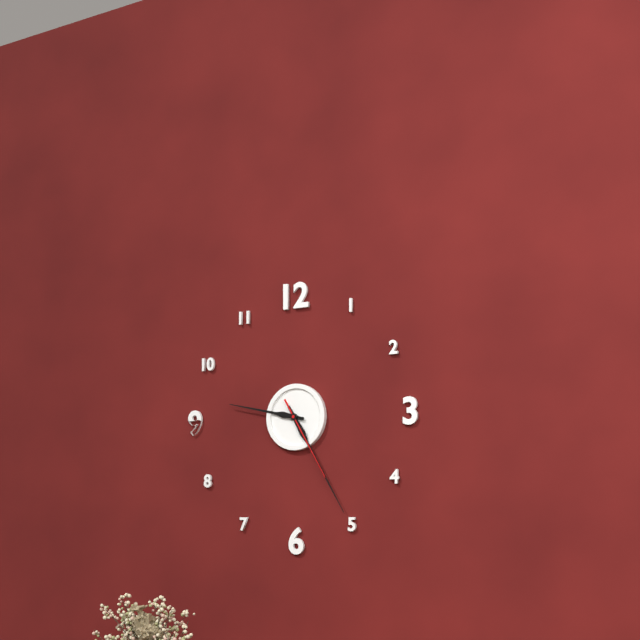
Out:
9 h 25 min 25 s
